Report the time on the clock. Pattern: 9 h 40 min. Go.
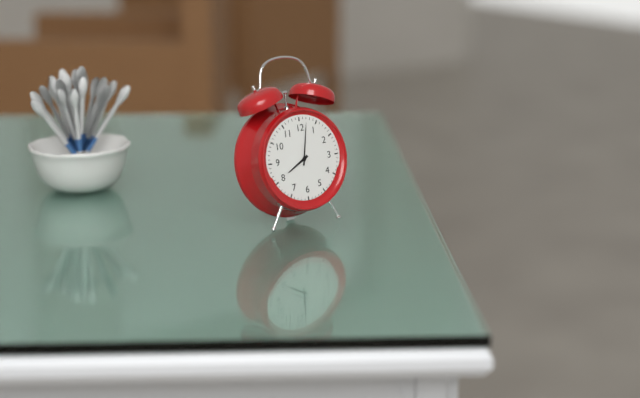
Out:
8 h 02 min
